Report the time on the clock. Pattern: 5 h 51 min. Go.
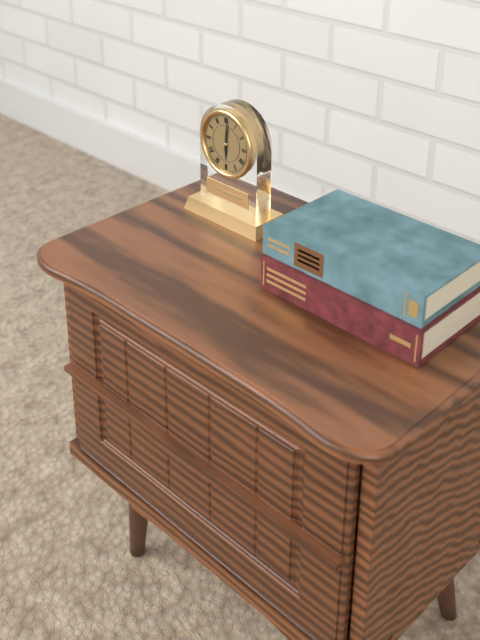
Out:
6 h 01 min
